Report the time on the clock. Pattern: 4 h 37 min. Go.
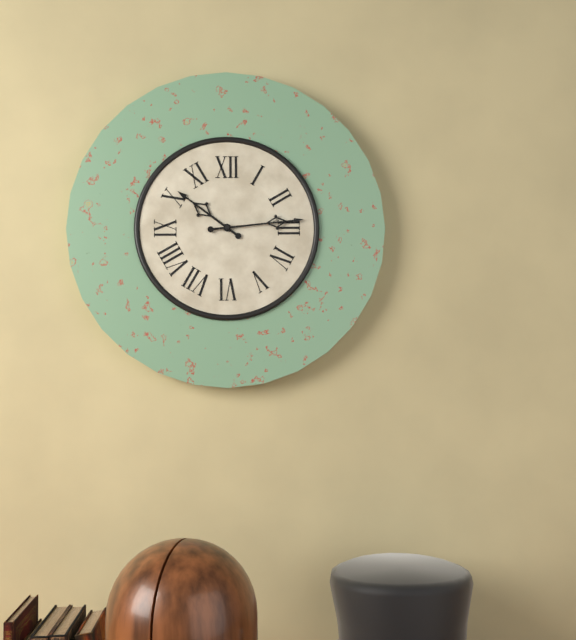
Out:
10 h 14 min
